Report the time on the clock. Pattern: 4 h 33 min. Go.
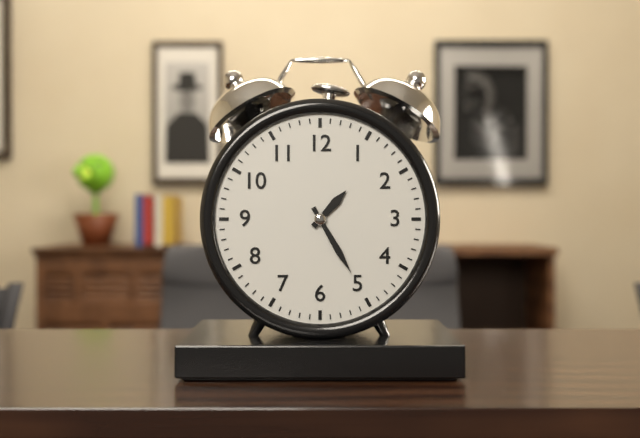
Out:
1 h 25 min
